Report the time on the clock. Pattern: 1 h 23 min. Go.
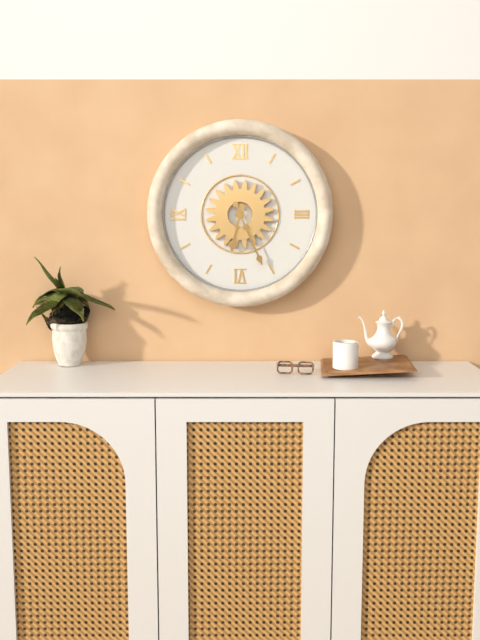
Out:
6 h 26 min
